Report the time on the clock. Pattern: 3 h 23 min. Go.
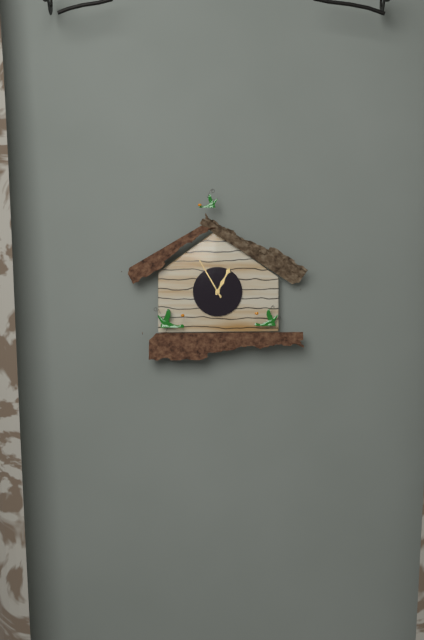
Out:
12 h 55 min
